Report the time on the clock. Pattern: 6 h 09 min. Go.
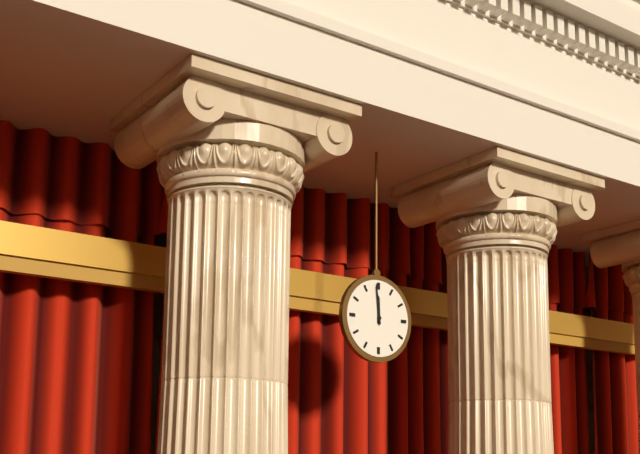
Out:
11 h 59 min
